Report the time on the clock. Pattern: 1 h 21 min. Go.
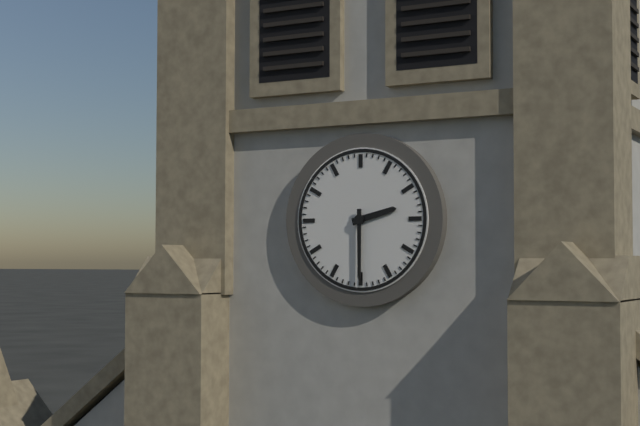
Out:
2 h 30 min
